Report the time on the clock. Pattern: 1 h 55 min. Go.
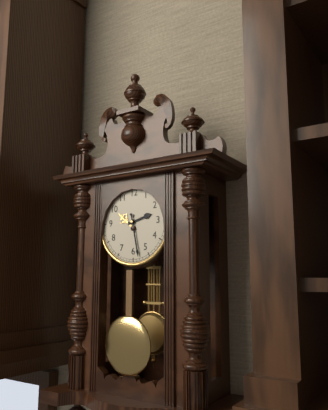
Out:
2 h 28 min
